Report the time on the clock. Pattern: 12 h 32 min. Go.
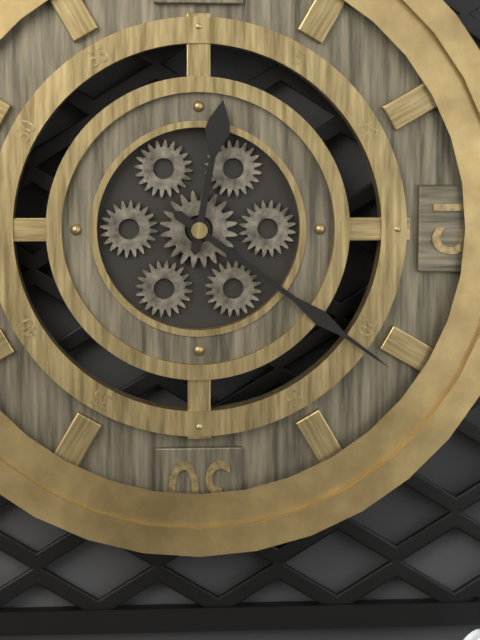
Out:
12 h 21 min
